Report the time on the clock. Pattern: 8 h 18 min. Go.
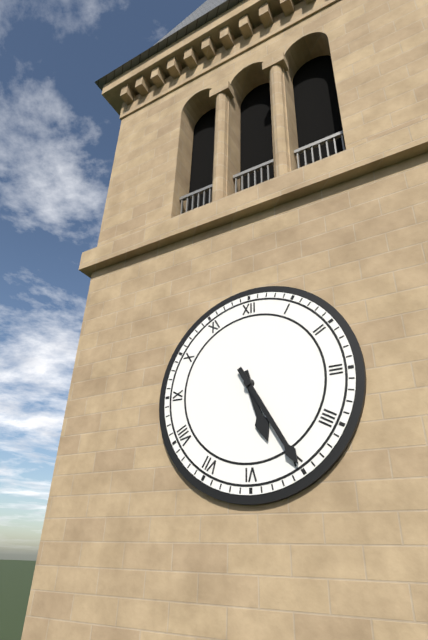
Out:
5 h 25 min
